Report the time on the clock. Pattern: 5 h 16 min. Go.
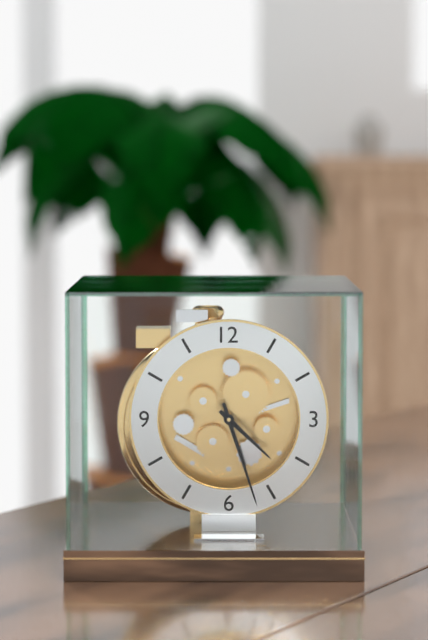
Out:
4 h 27 min
